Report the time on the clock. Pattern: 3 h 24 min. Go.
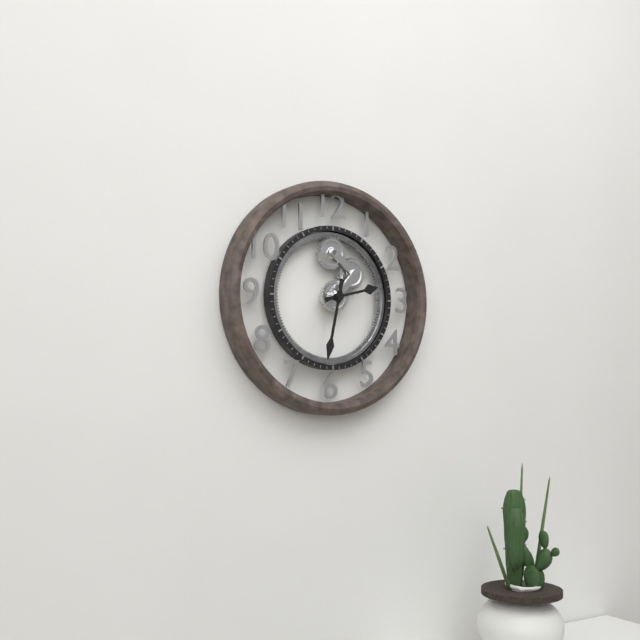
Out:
2 h 32 min
